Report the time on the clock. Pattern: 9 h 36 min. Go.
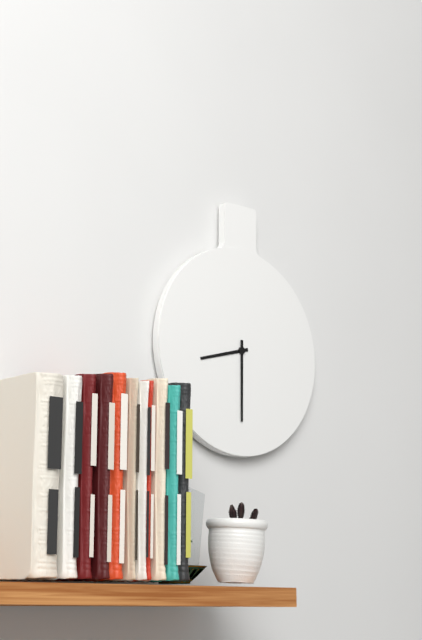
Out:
8 h 30 min
